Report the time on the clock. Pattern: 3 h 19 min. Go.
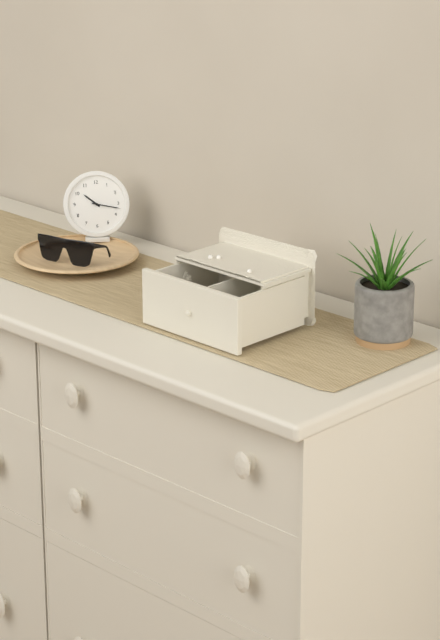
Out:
10 h 17 min
